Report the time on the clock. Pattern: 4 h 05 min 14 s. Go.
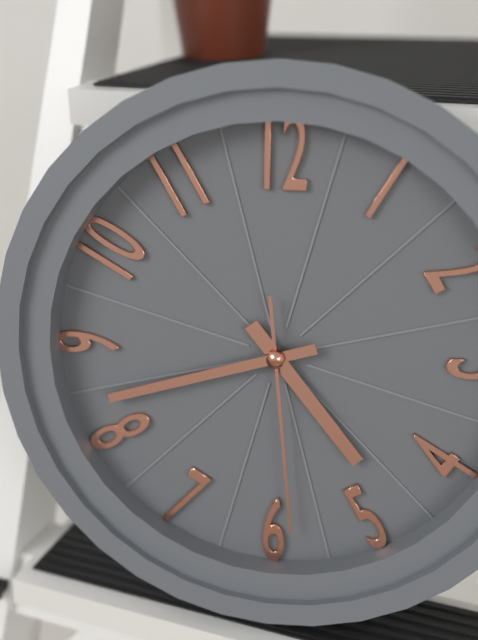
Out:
4 h 42 min 29 s
